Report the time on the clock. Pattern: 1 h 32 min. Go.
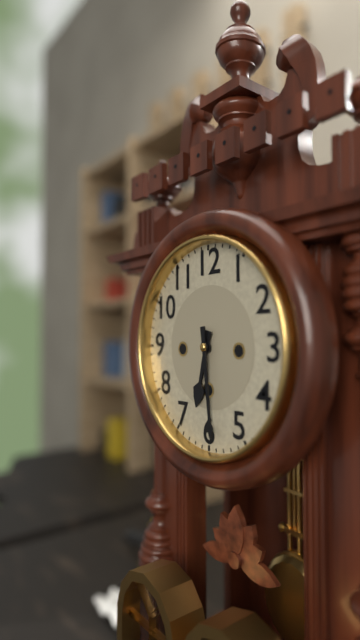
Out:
6 h 29 min
